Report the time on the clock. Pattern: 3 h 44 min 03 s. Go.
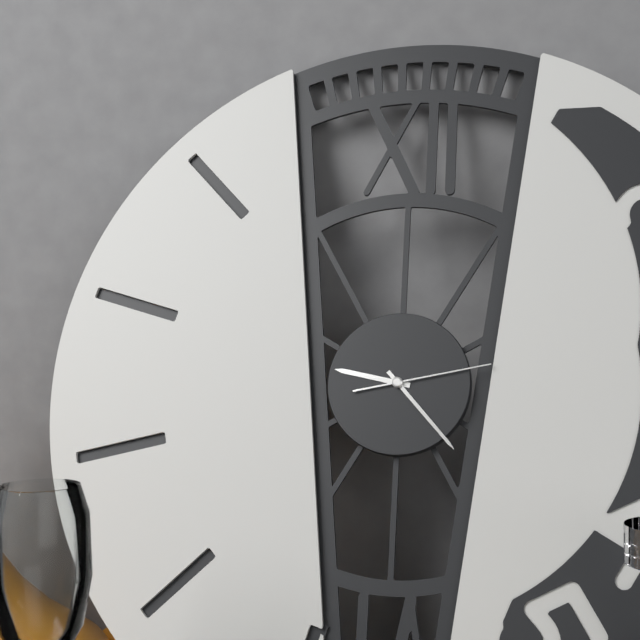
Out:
9 h 23 min 13 s
